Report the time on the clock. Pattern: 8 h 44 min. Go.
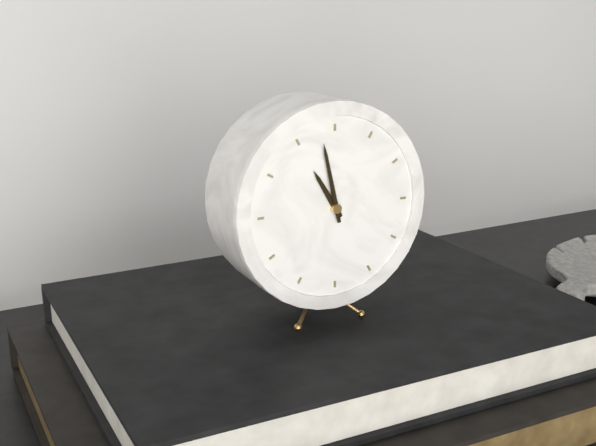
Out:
10 h 58 min
